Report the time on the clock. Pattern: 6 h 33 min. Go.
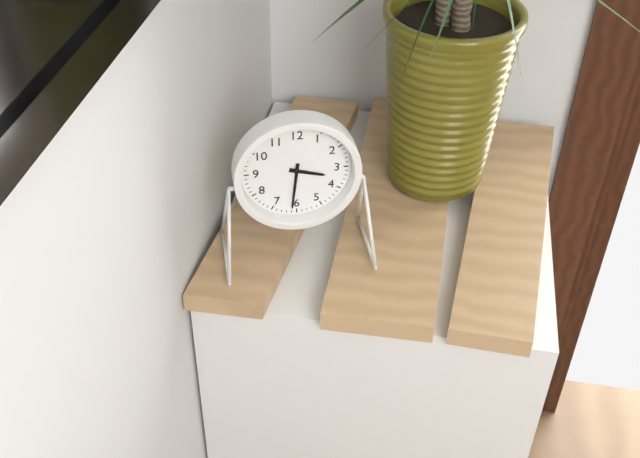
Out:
3 h 31 min
